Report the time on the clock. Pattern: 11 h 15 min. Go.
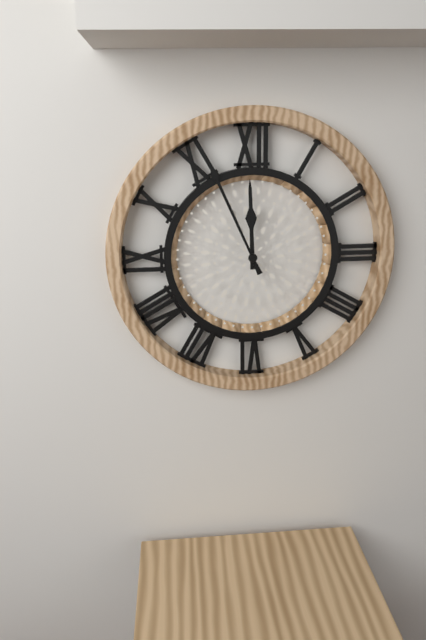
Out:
11 h 56 min
